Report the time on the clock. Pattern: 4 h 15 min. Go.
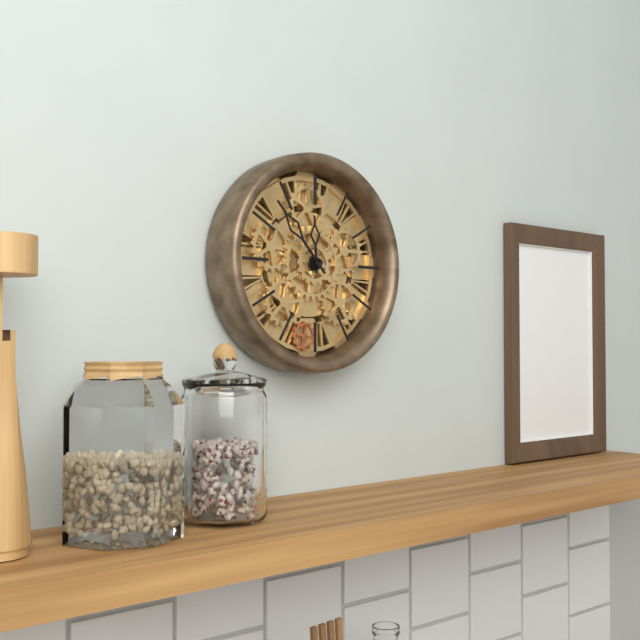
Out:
11 h 53 min
